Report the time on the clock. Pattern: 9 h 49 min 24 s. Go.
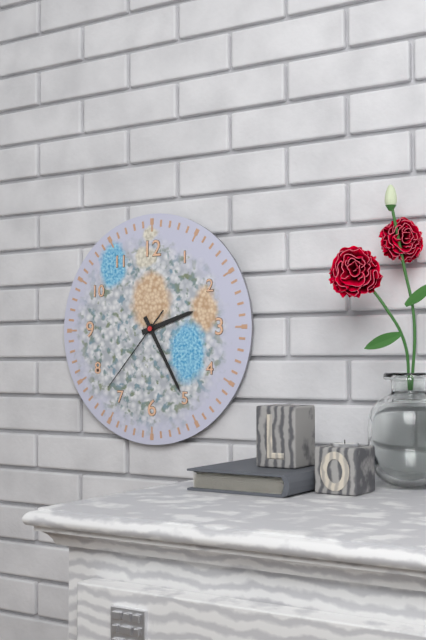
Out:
2 h 25 min 37 s
